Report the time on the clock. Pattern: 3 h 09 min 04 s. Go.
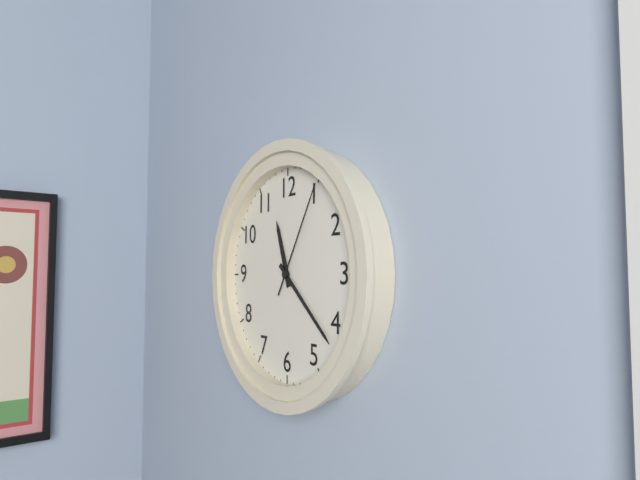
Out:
11 h 22 min 05 s
